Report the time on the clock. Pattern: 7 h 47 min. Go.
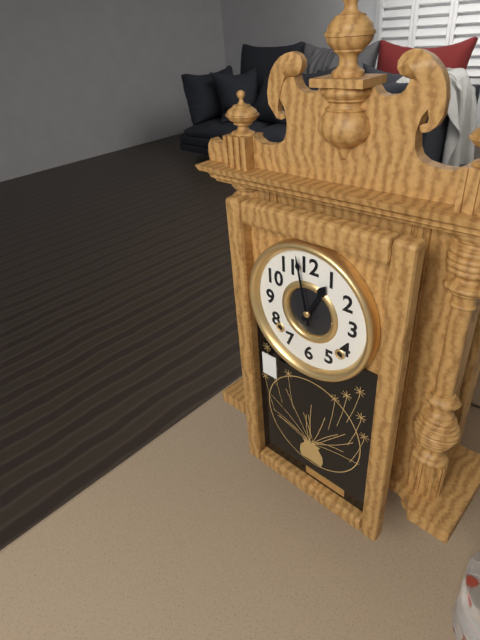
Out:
12 h 58 min
